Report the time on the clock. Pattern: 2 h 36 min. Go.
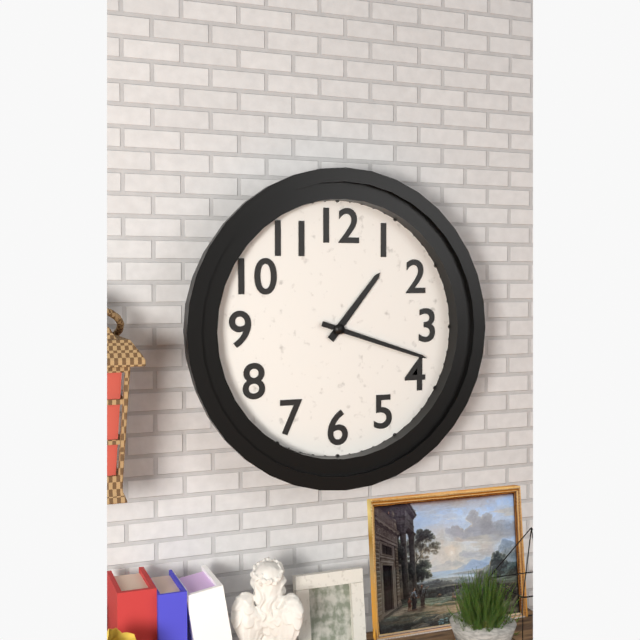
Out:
1 h 18 min
